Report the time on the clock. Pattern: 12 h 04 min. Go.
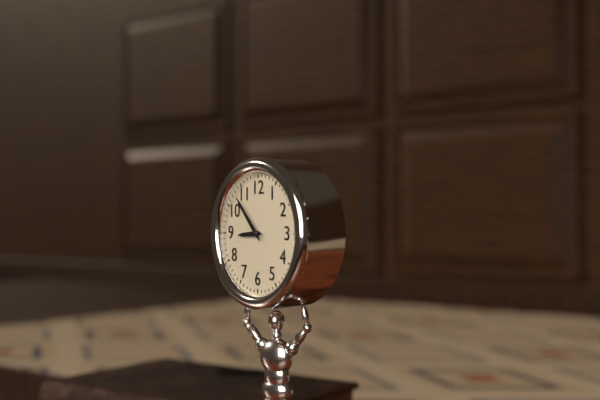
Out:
8 h 53 min
